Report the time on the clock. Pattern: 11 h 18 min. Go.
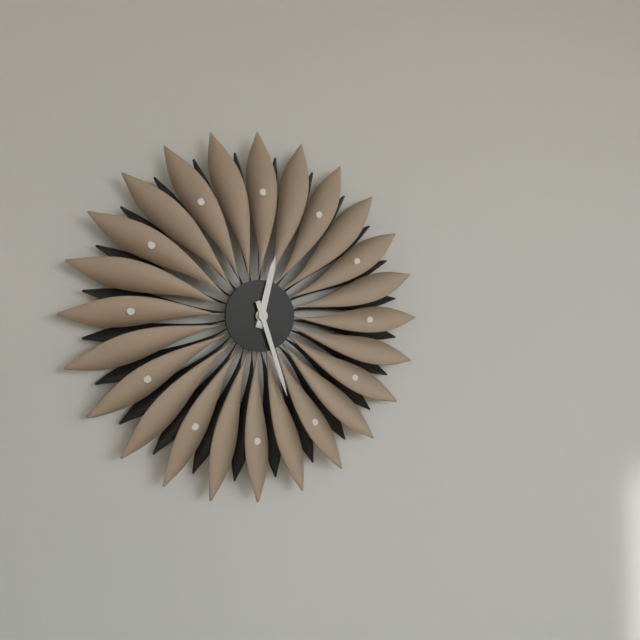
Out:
12 h 27 min
